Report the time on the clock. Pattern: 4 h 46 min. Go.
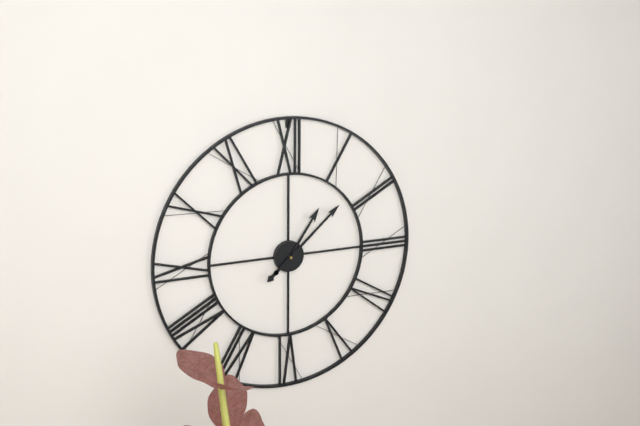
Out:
1 h 08 min
